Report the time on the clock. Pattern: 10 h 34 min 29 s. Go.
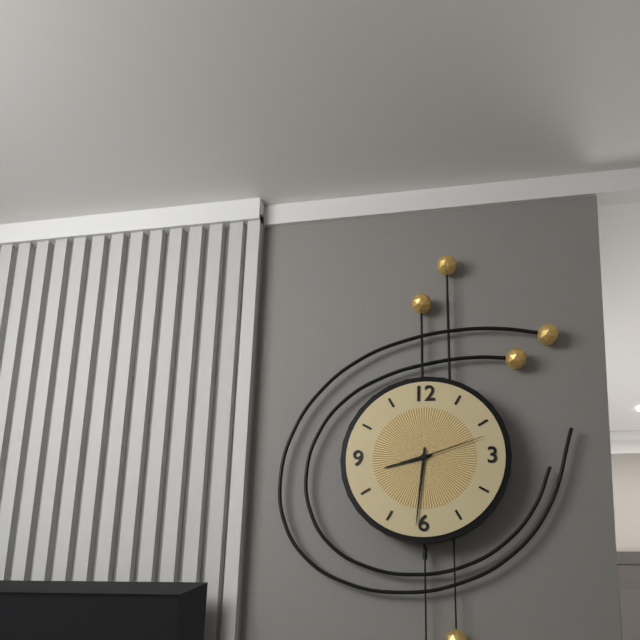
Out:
8 h 31 min 12 s
